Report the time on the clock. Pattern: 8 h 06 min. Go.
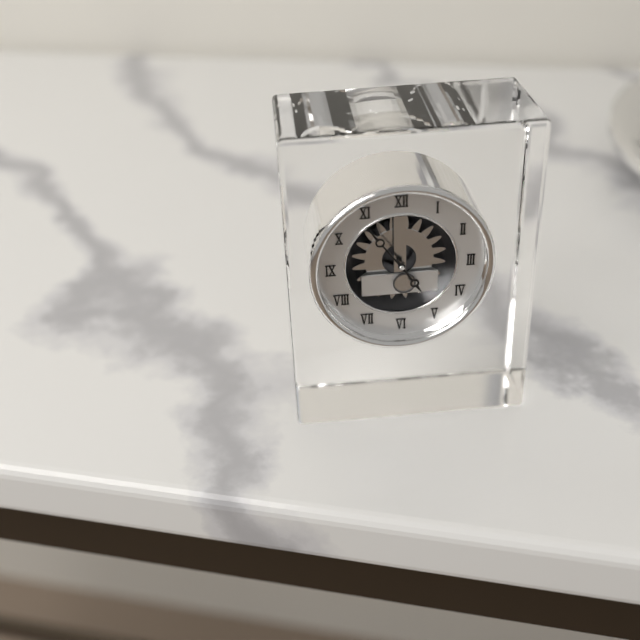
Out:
4 h 54 min
